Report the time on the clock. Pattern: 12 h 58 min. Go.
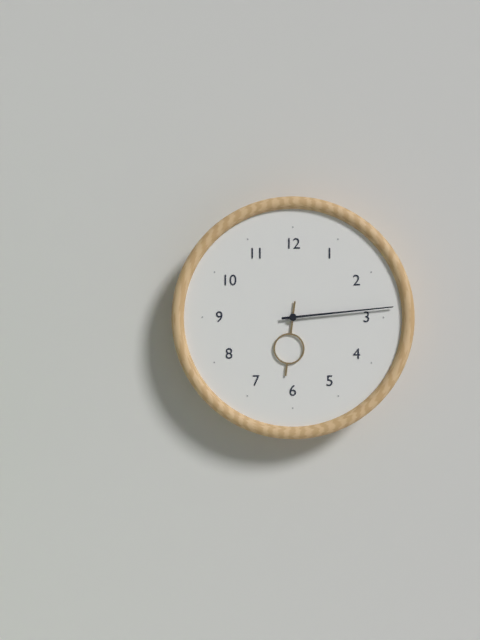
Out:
6 h 14 min
